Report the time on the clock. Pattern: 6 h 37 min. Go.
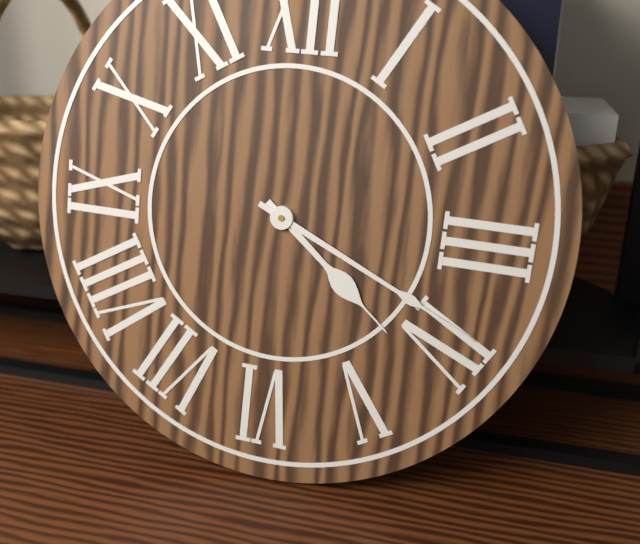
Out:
4 h 19 min
